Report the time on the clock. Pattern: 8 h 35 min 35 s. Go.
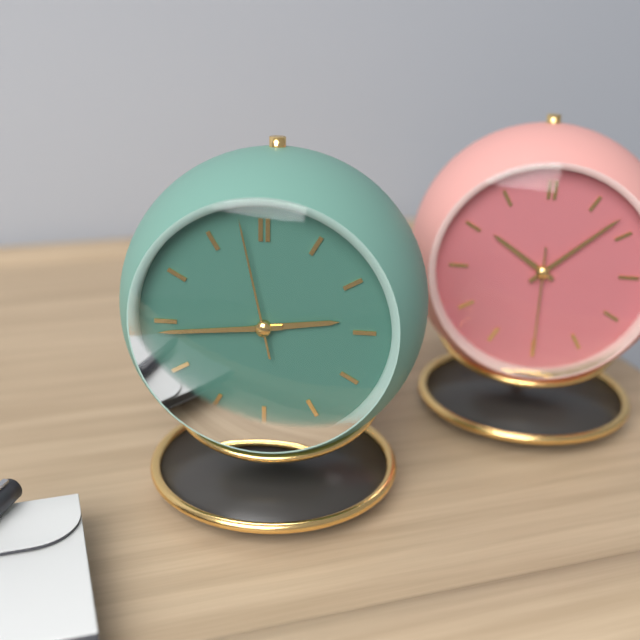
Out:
2 h 44 min 58 s
